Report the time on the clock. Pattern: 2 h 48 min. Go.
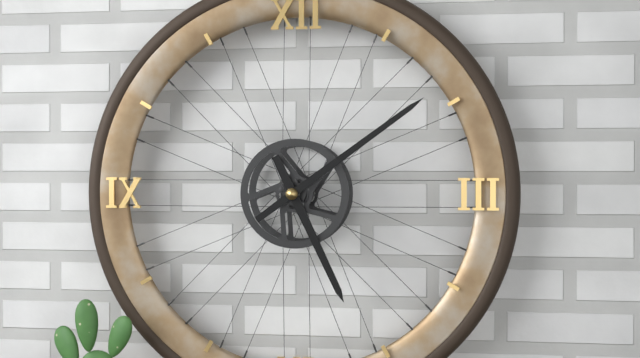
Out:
5 h 09 min
